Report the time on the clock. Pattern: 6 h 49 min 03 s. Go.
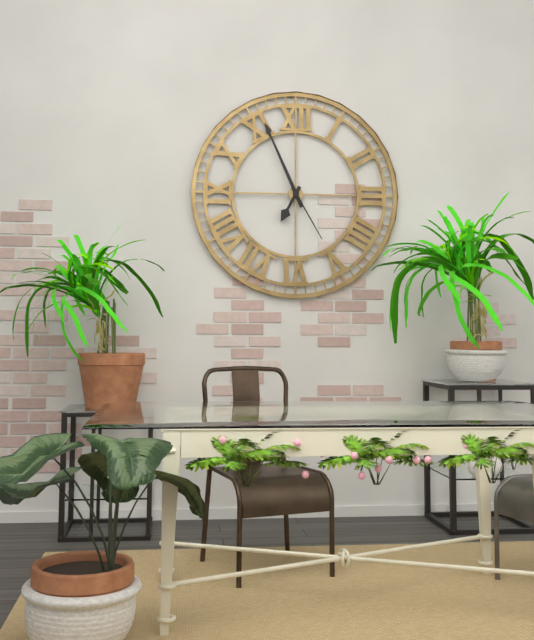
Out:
6 h 56 min 25 s
